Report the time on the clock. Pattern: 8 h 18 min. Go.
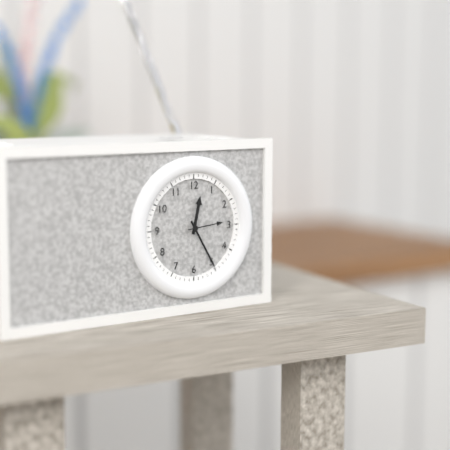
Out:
12 h 25 min
